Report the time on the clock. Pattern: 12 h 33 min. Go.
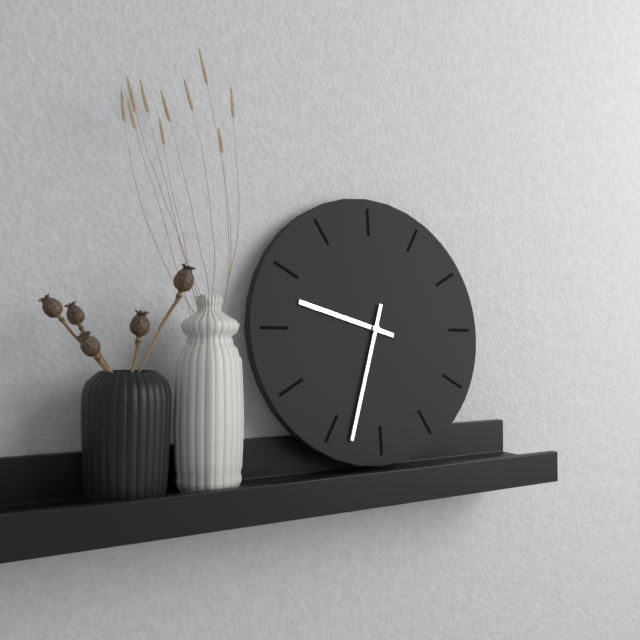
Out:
9 h 33 min
